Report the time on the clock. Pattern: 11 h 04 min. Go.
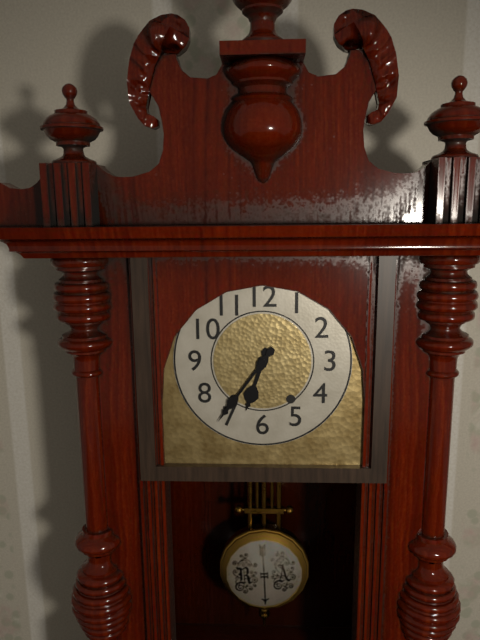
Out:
6 h 36 min
